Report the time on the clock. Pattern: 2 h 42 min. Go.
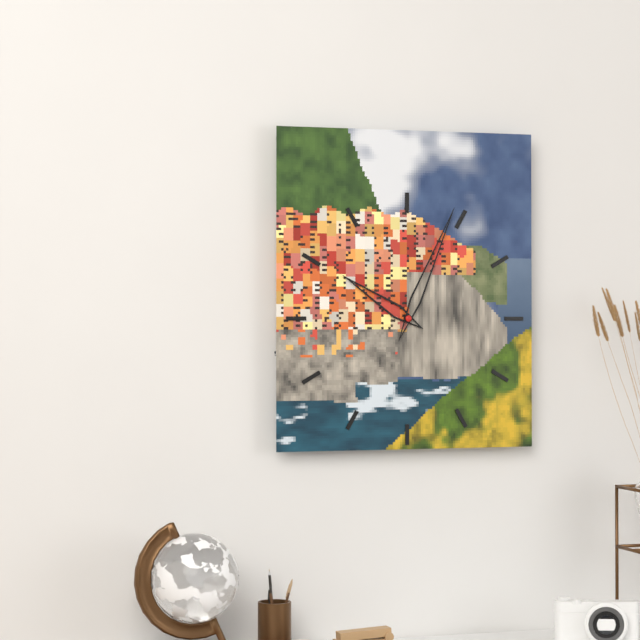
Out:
10 h 04 min
